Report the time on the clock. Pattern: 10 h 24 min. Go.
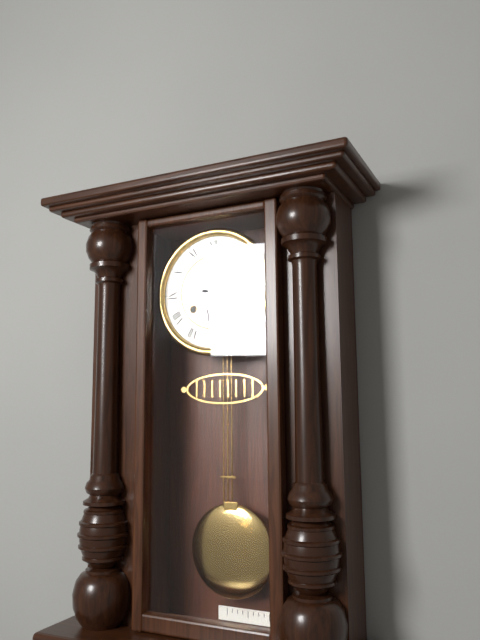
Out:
6 h 16 min
